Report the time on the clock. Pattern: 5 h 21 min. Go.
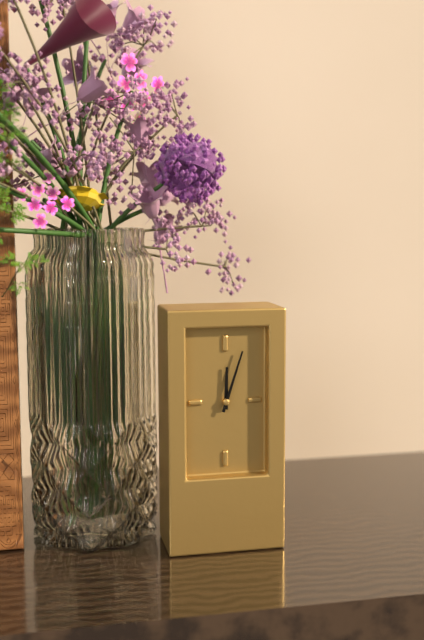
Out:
12 h 03 min
